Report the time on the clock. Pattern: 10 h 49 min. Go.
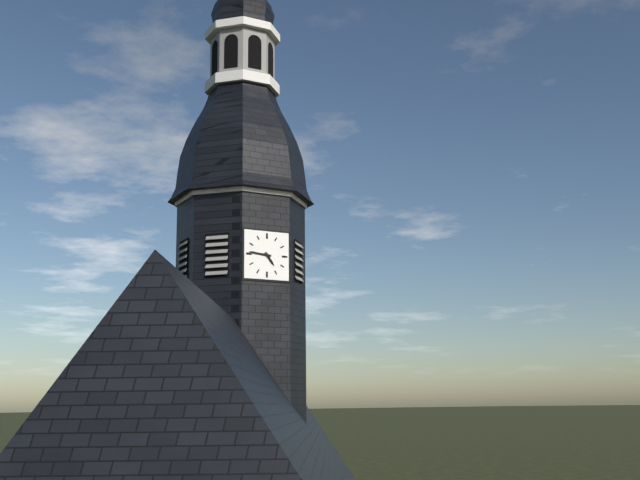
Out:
4 h 46 min
